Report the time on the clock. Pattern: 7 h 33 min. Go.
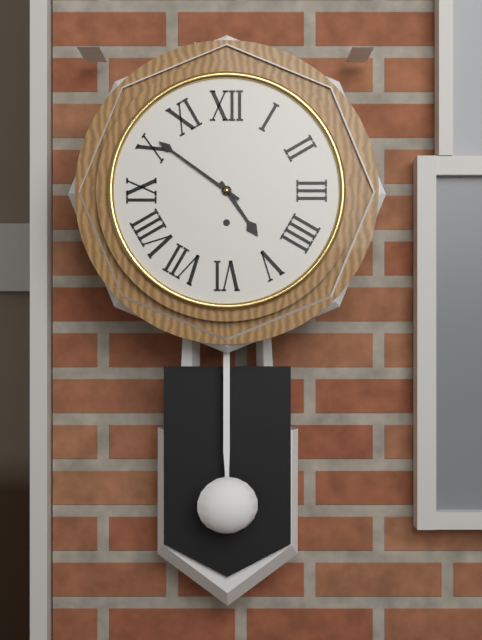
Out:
4 h 51 min
